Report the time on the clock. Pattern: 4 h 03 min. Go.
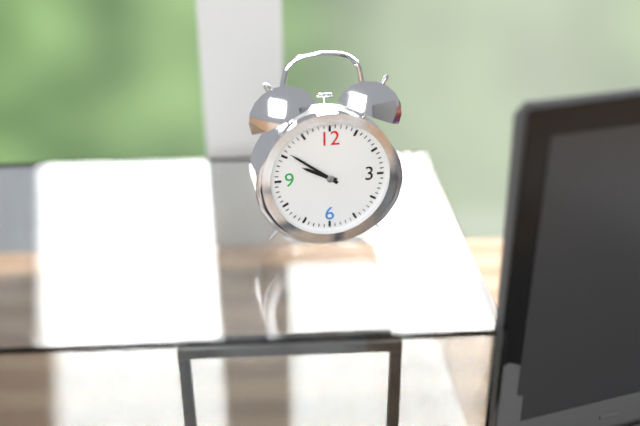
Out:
9 h 51 min
